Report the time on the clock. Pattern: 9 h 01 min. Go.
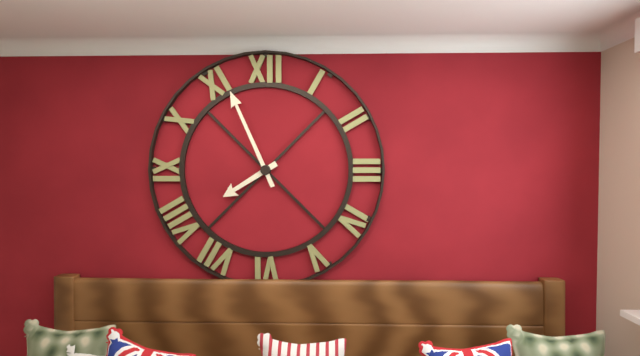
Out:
7 h 56 min
